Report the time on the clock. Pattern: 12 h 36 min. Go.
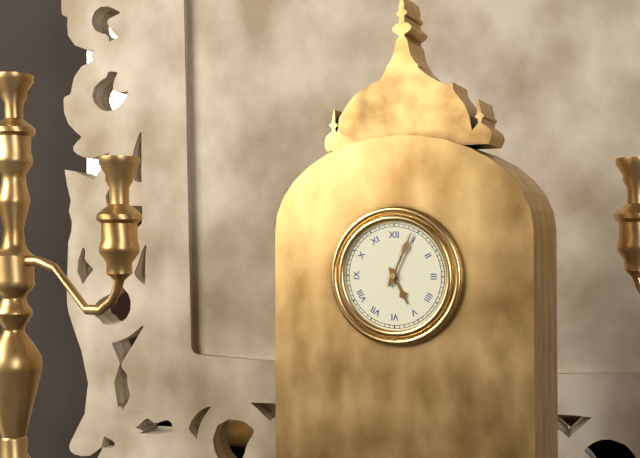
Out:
5 h 04 min
